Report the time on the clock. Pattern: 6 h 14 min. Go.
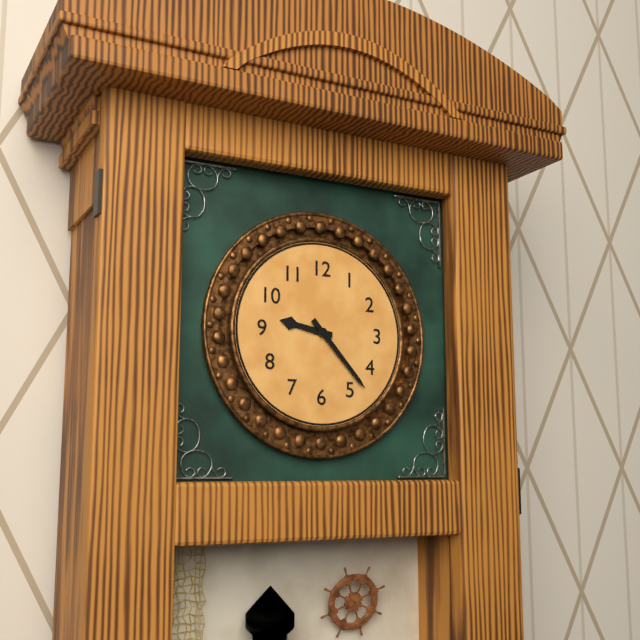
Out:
9 h 23 min
